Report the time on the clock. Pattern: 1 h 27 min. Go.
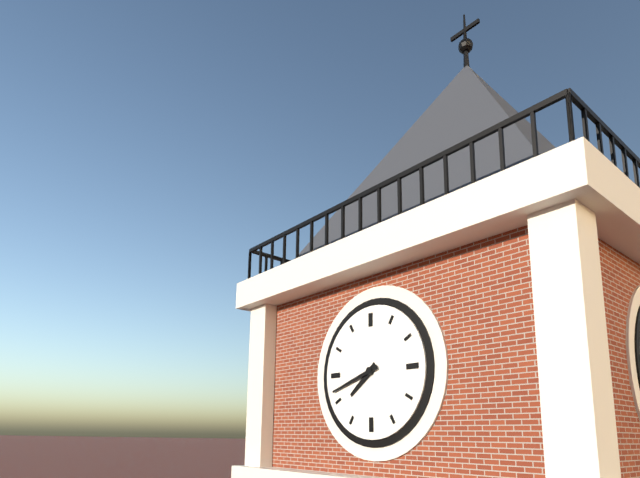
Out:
7 h 42 min
